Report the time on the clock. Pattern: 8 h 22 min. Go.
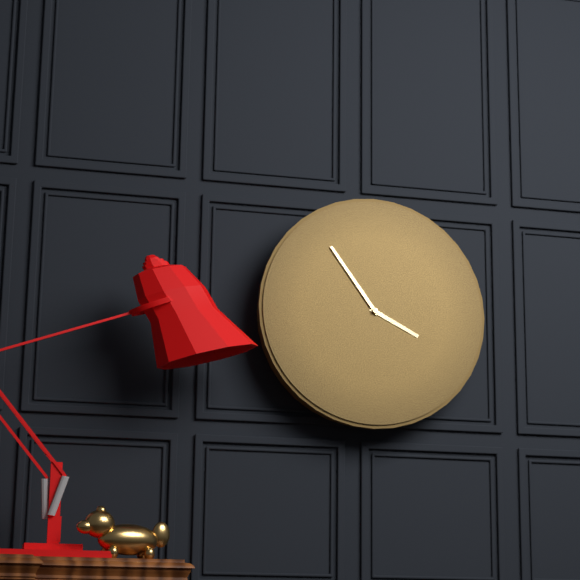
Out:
3 h 54 min
